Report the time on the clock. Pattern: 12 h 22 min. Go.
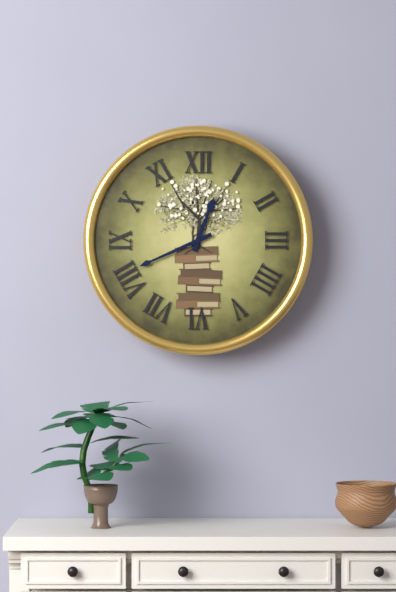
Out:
12 h 41 min
